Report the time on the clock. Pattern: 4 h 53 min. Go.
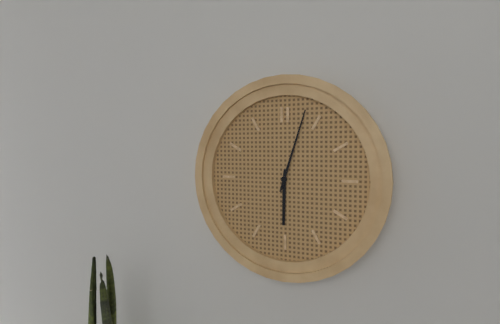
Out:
6 h 03 min
